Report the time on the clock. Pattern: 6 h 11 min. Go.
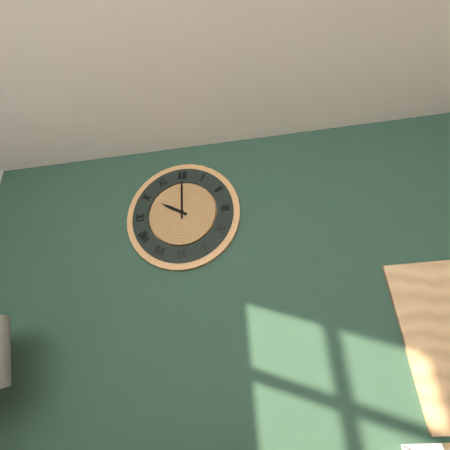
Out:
10 h 00 min
